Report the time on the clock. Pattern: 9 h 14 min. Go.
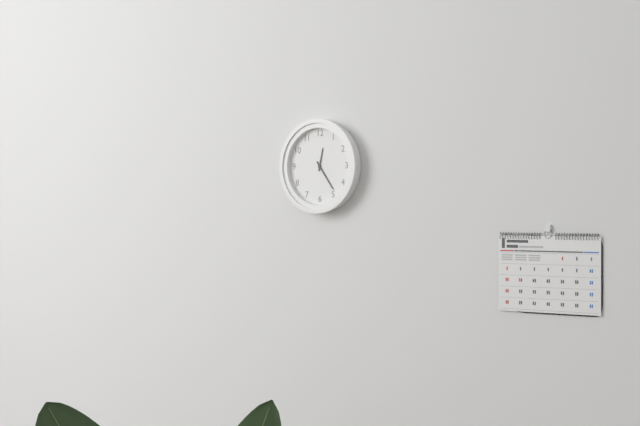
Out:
12 h 24 min
